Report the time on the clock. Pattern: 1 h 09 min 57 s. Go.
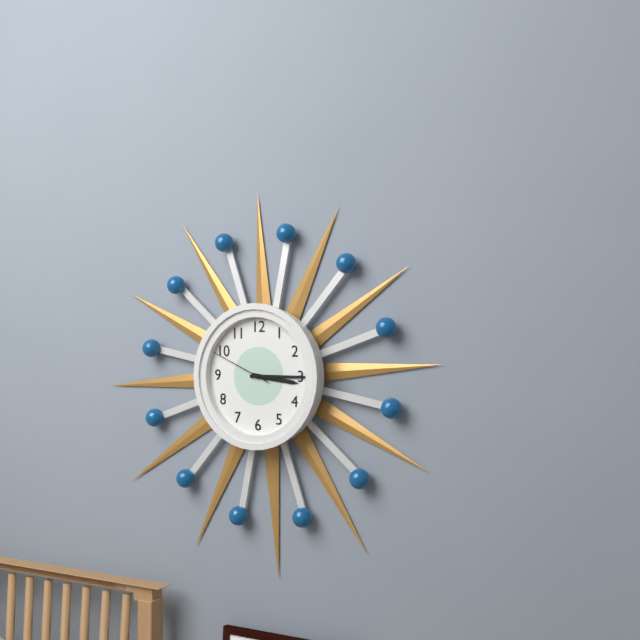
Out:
3 h 15 min 49 s
